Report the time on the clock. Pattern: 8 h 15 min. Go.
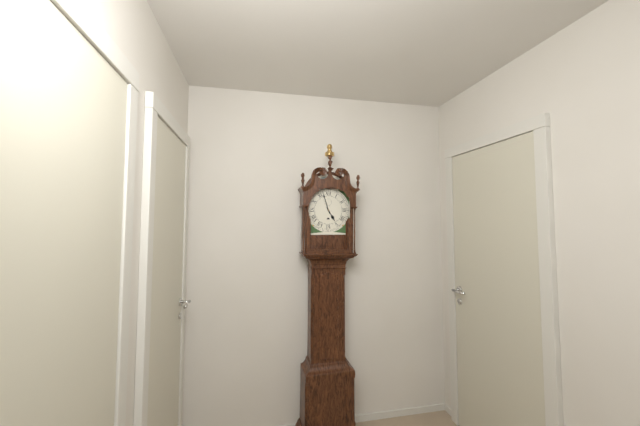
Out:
4 h 57 min
